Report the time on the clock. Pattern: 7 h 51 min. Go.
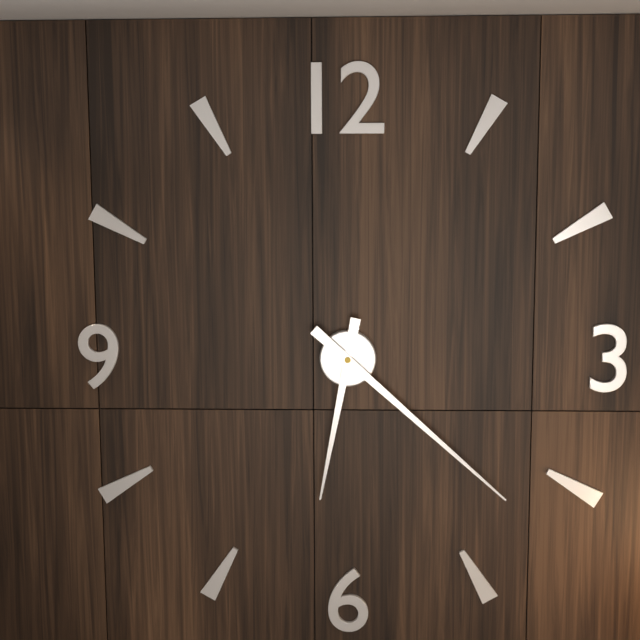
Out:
6 h 22 min
